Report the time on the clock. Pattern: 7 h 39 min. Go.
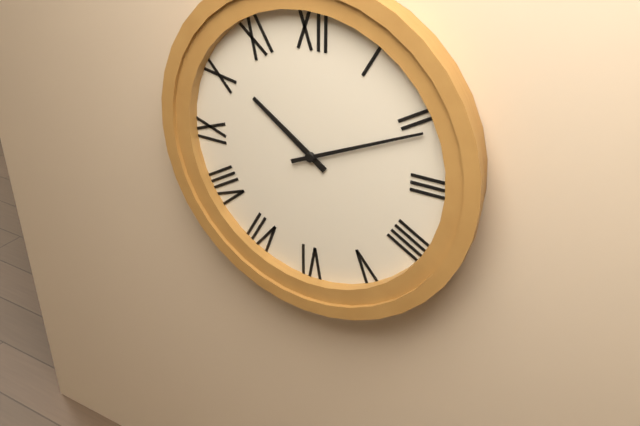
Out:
10 h 11 min
